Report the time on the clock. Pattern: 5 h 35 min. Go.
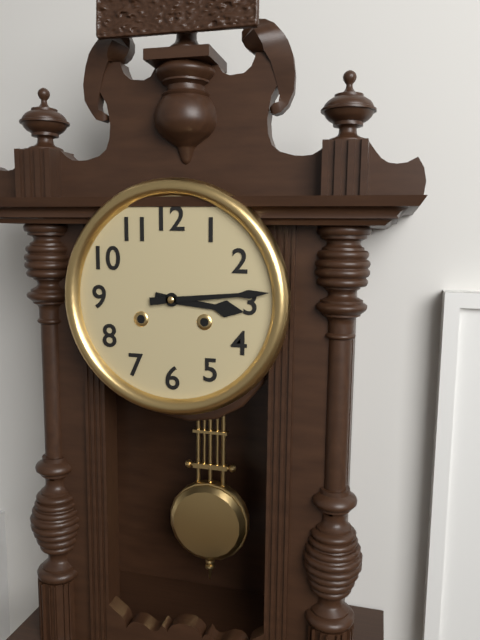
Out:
3 h 14 min
